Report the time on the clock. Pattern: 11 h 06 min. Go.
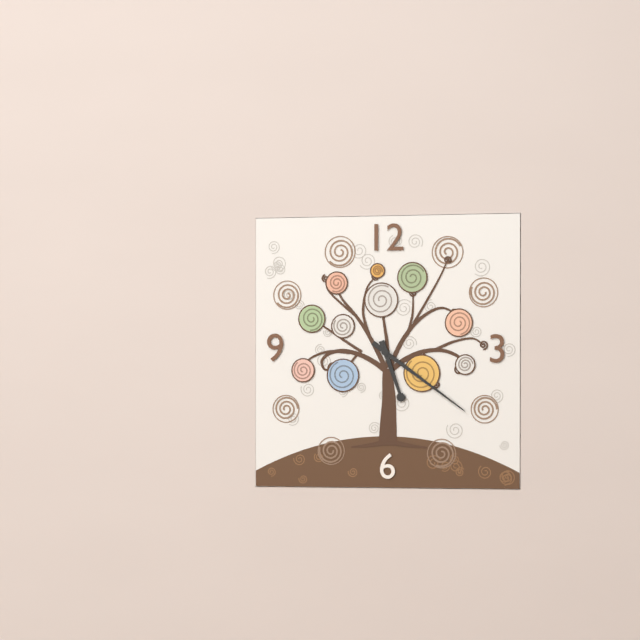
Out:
5 h 21 min
